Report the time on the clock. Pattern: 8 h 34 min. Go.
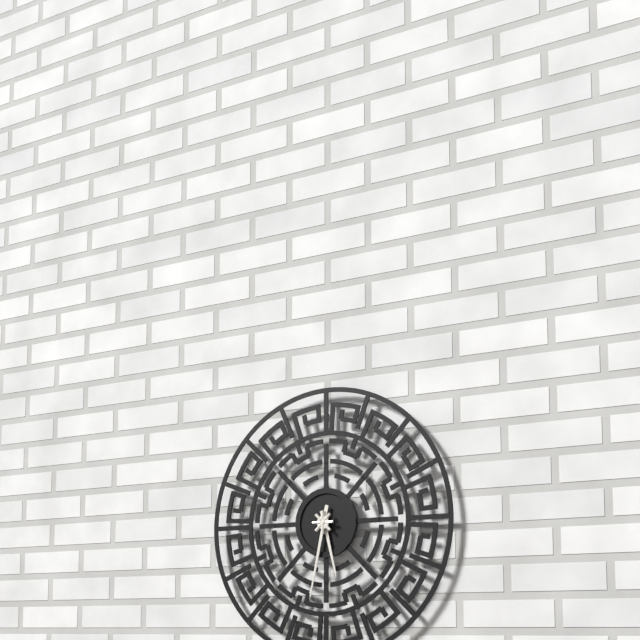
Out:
5 h 32 min
